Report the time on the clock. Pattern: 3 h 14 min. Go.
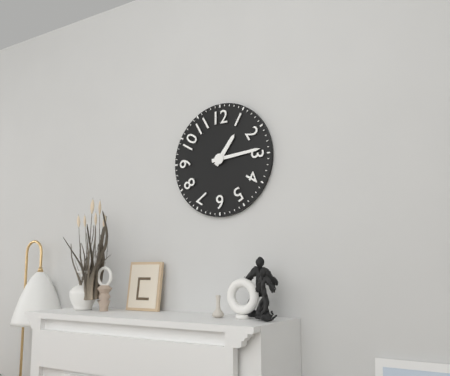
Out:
1 h 14 min
